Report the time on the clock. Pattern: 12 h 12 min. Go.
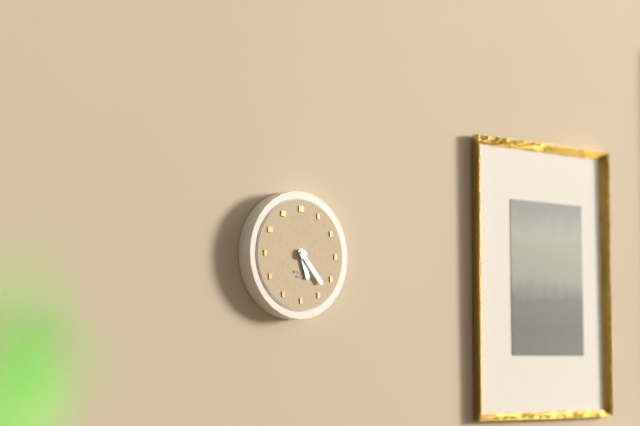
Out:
5 h 23 min
